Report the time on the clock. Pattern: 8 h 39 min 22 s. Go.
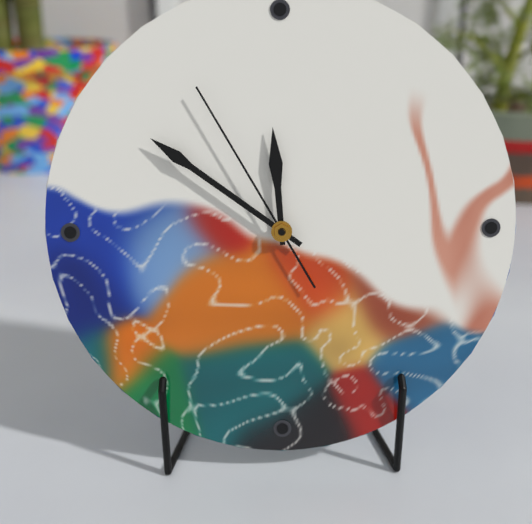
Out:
11 h 51 min 55 s
